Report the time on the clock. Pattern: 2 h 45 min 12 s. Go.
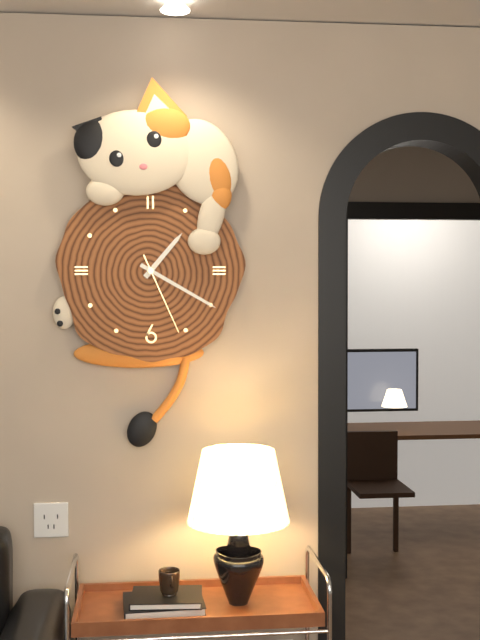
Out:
1 h 20 min 26 s
